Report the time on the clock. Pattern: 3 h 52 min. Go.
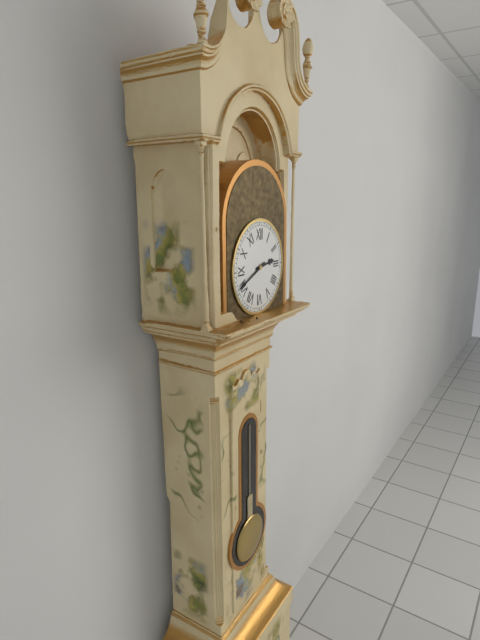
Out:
2 h 41 min
